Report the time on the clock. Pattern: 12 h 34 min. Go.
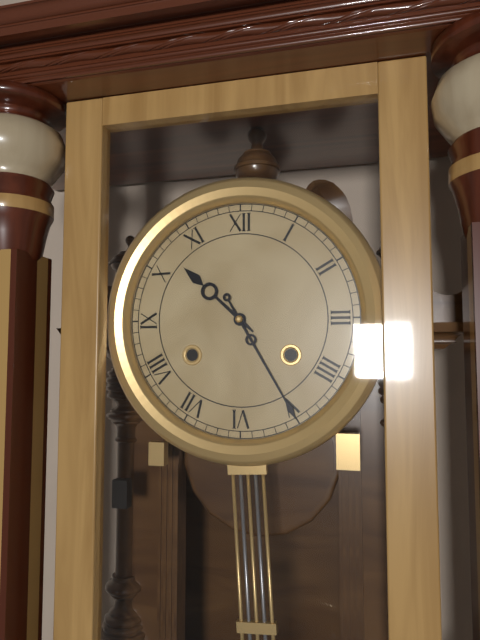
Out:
10 h 25 min
